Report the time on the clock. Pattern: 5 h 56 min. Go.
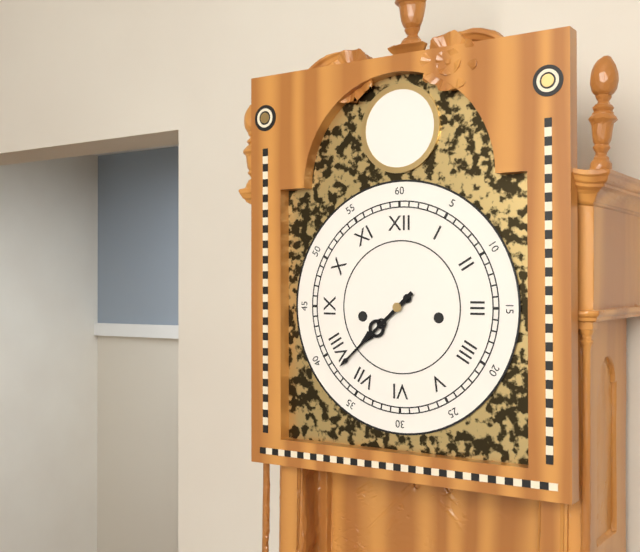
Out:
7 h 38 min
